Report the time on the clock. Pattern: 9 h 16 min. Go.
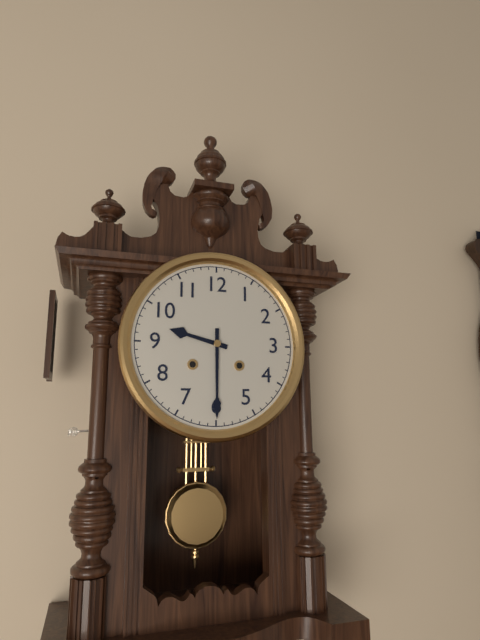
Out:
9 h 30 min
